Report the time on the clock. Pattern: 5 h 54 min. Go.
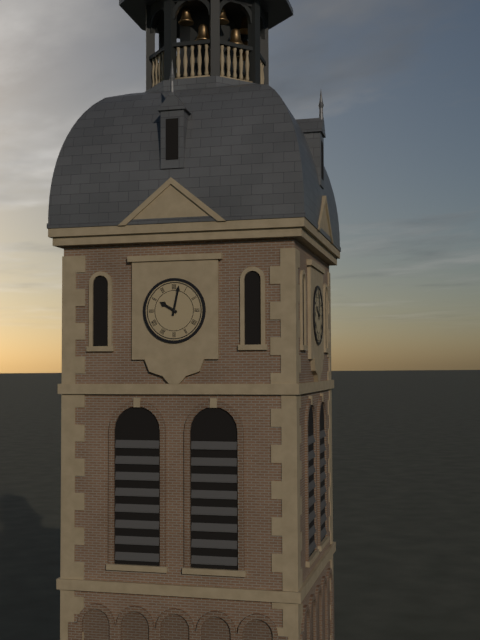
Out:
10 h 02 min
